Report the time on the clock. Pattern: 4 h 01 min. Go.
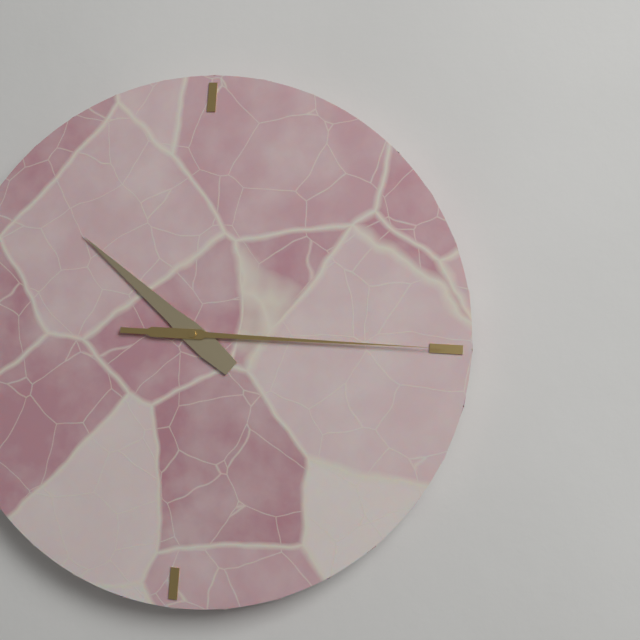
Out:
10 h 15 min
